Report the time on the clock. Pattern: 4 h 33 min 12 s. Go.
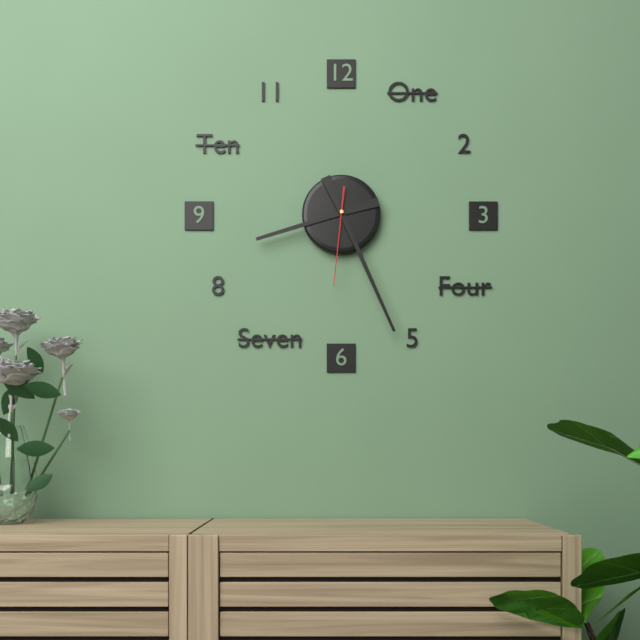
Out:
8 h 26 min 31 s
